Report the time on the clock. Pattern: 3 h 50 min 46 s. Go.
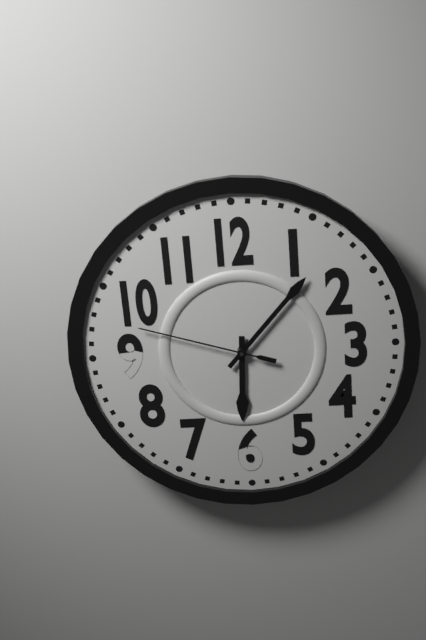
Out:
6 h 07 min 48 s
